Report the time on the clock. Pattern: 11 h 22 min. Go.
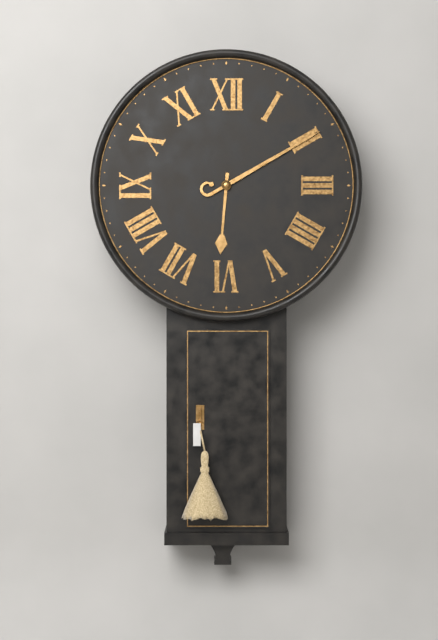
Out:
6 h 10 min
